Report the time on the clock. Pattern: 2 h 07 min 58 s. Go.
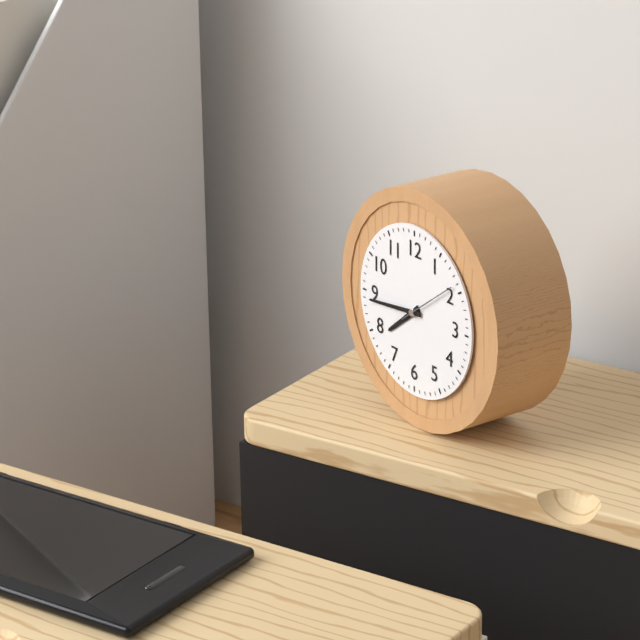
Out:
7 h 44 min 09 s
